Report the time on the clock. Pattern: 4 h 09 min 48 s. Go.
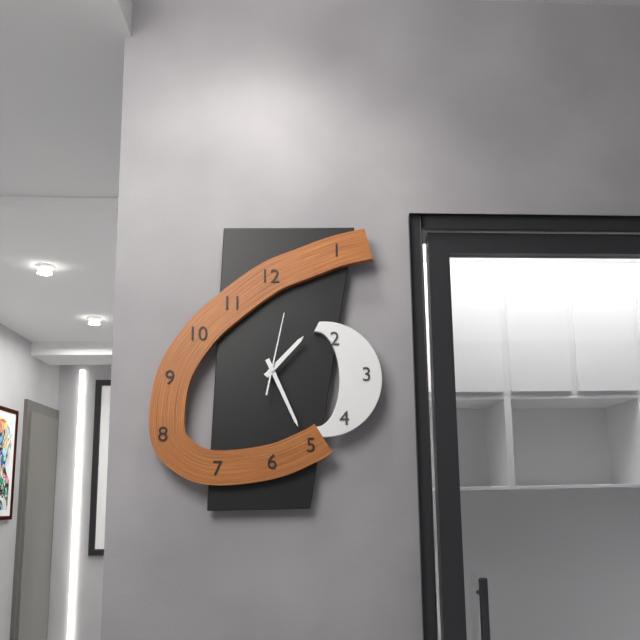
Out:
1 h 26 min 02 s
